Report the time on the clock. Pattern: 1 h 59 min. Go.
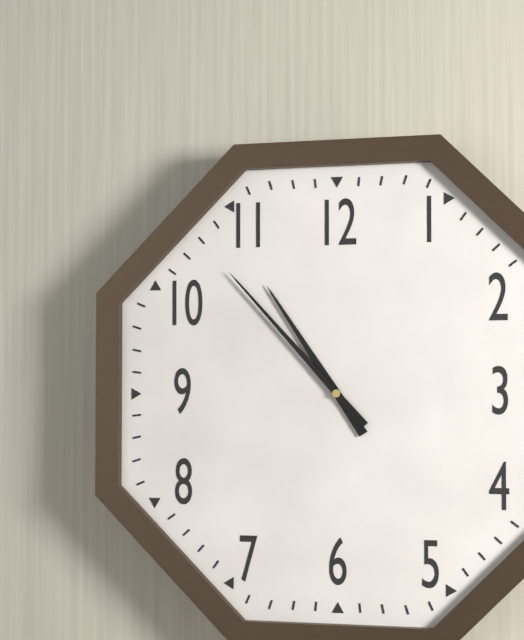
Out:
10 h 53 min
